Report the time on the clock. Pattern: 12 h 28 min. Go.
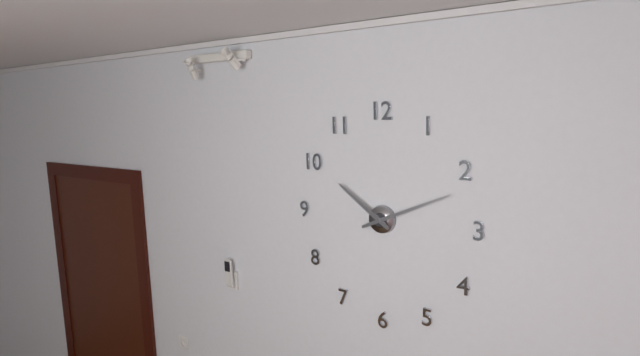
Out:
10 h 11 min
